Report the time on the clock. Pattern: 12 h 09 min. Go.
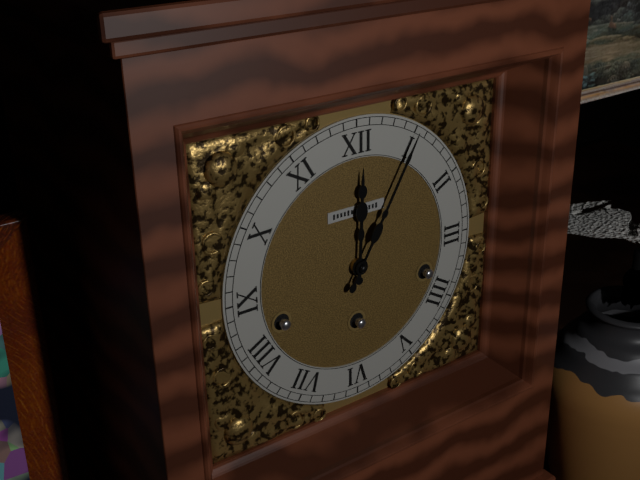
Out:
12 h 05 min
